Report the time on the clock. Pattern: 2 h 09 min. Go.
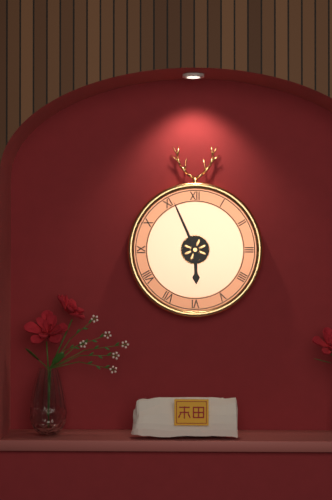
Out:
5 h 56 min
